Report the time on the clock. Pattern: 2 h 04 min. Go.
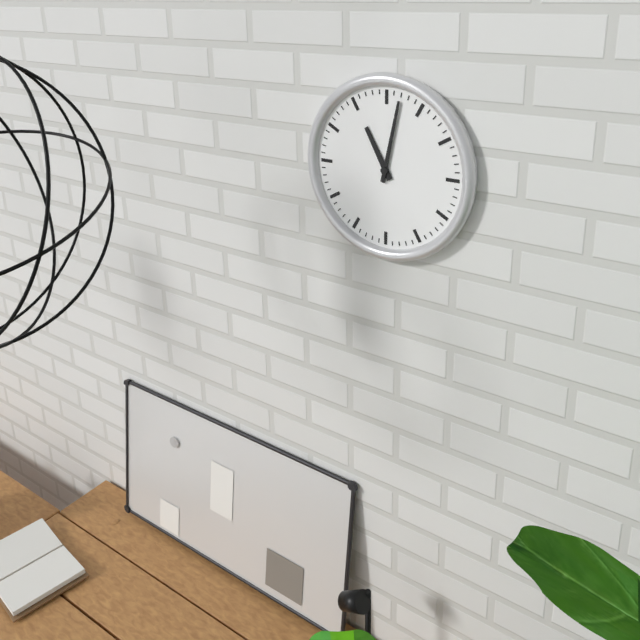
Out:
11 h 02 min
